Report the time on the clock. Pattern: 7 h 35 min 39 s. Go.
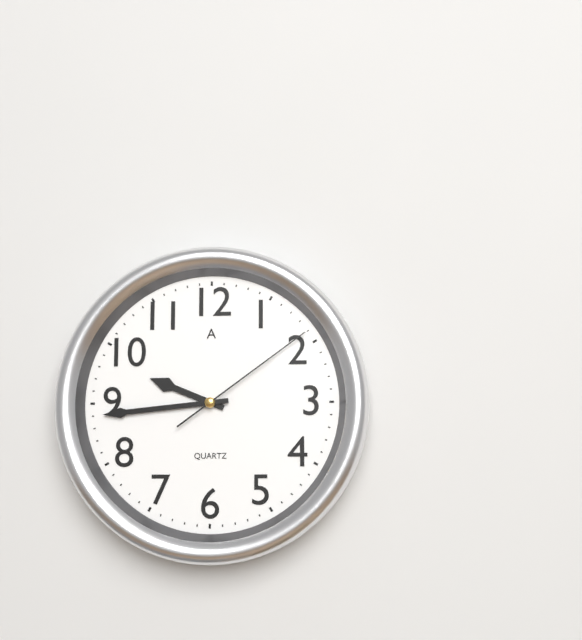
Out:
9 h 44 min 09 s
